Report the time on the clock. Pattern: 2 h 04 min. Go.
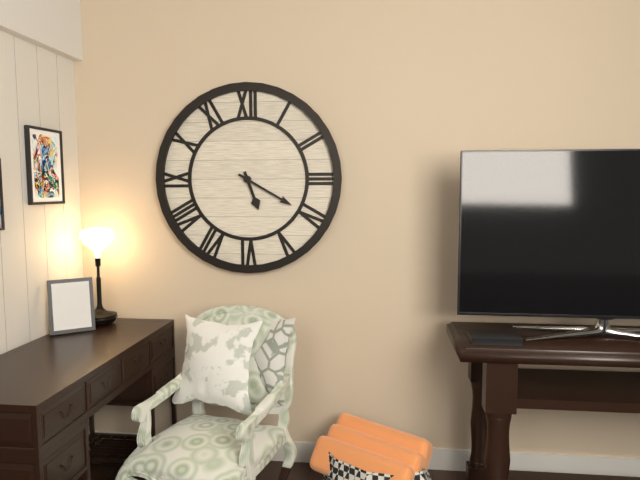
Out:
5 h 20 min
